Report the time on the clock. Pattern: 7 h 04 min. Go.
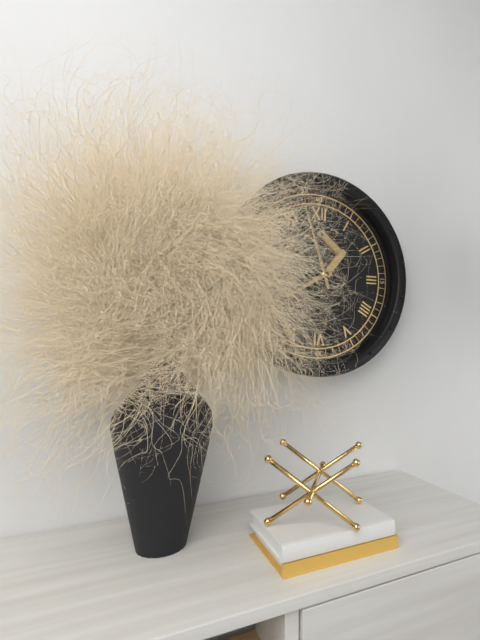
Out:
7 h 57 min
